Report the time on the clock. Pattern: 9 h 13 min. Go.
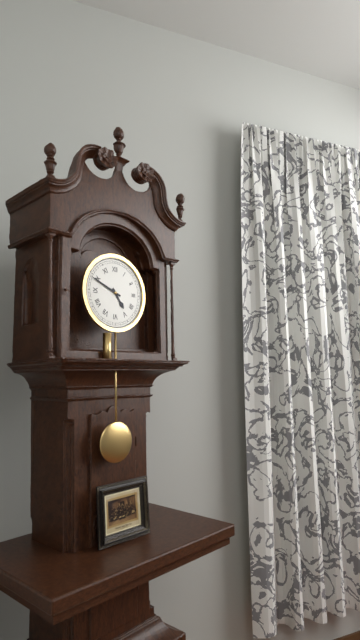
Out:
4 h 49 min
